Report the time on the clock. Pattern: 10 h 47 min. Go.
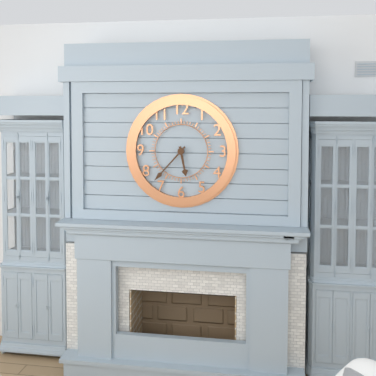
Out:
5 h 37 min
